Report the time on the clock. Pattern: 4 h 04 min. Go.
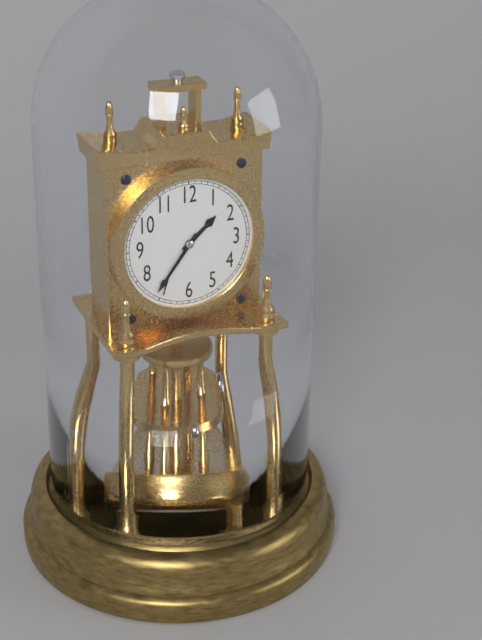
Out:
1 h 36 min
